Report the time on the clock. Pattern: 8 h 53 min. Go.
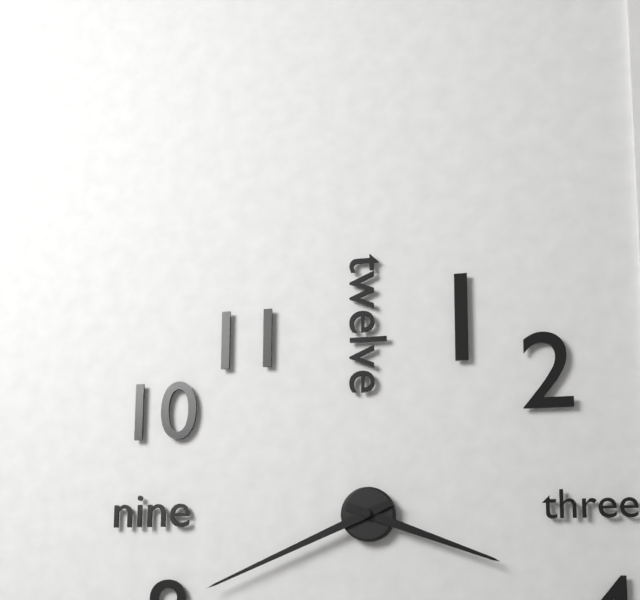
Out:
3 h 41 min
